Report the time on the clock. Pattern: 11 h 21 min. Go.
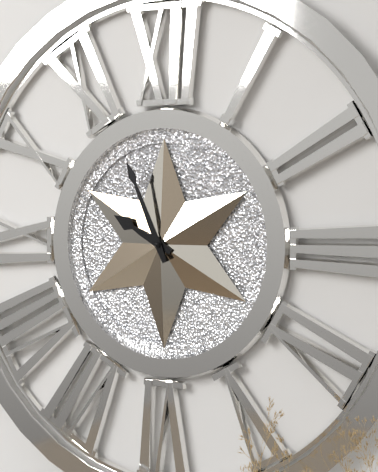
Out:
9 h 56 min
